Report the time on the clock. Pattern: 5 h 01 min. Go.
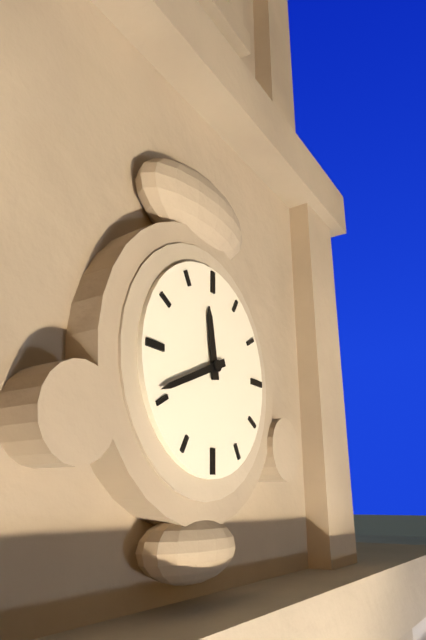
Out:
11 h 41 min
